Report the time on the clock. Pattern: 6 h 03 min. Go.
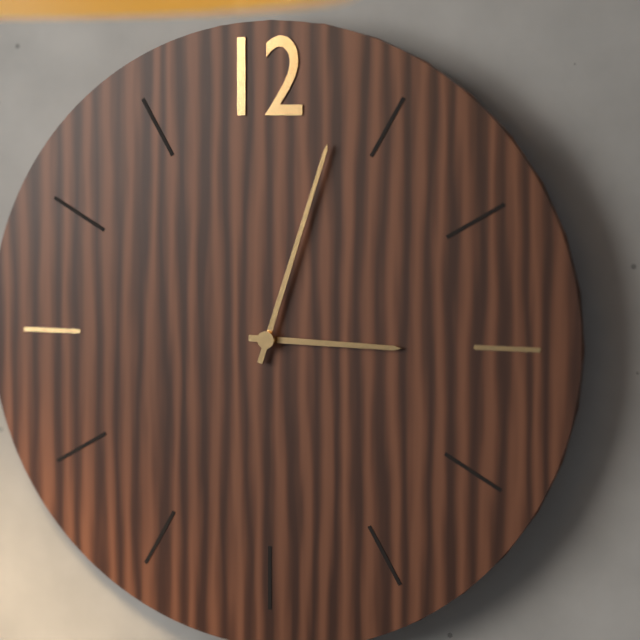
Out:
3 h 03 min
